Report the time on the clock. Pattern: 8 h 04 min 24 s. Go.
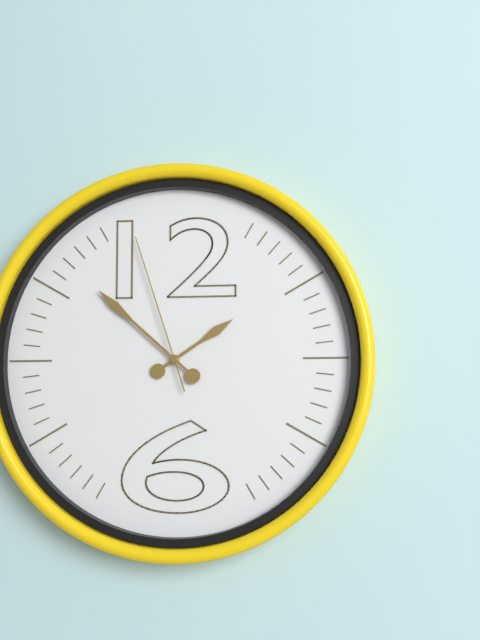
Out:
1 h 52 min 57 s
